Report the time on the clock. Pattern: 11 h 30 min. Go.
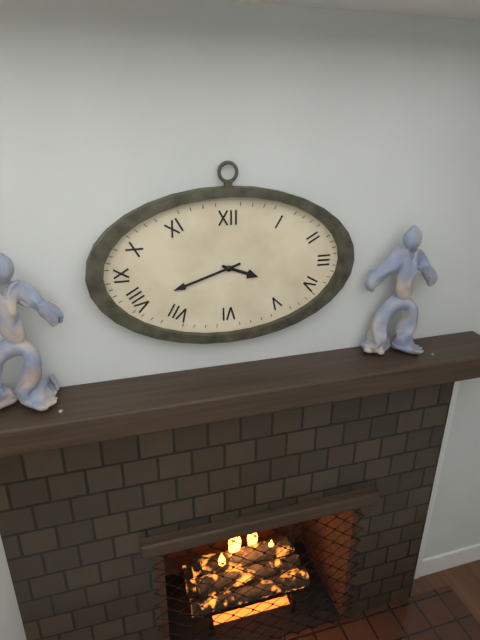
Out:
3 h 42 min
